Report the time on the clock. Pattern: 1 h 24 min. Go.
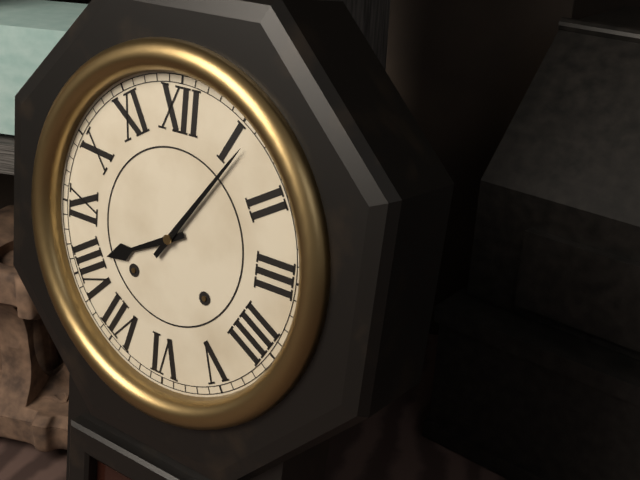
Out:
8 h 06 min
